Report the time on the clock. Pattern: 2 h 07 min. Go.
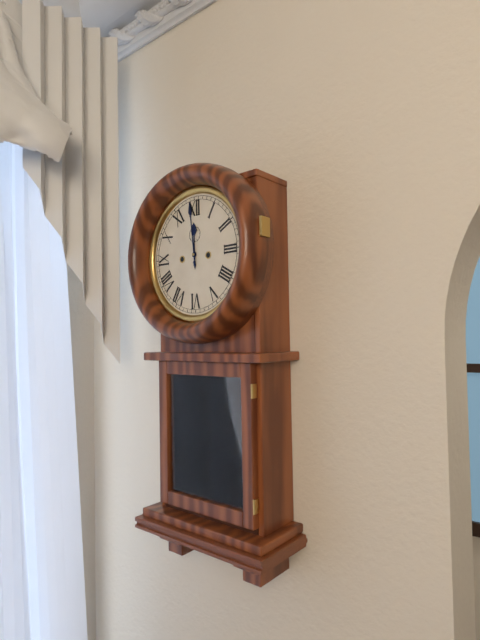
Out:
11 h 59 min
